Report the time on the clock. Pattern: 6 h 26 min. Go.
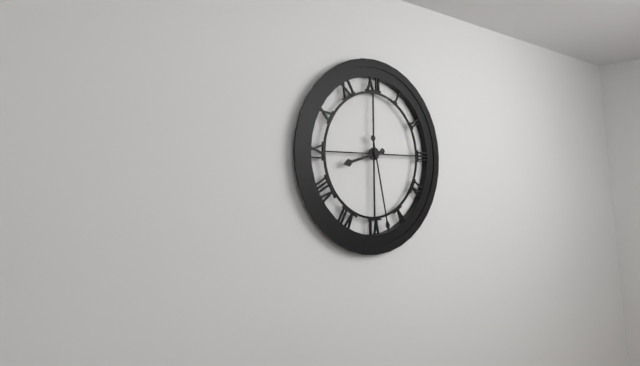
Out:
8 h 28 min
